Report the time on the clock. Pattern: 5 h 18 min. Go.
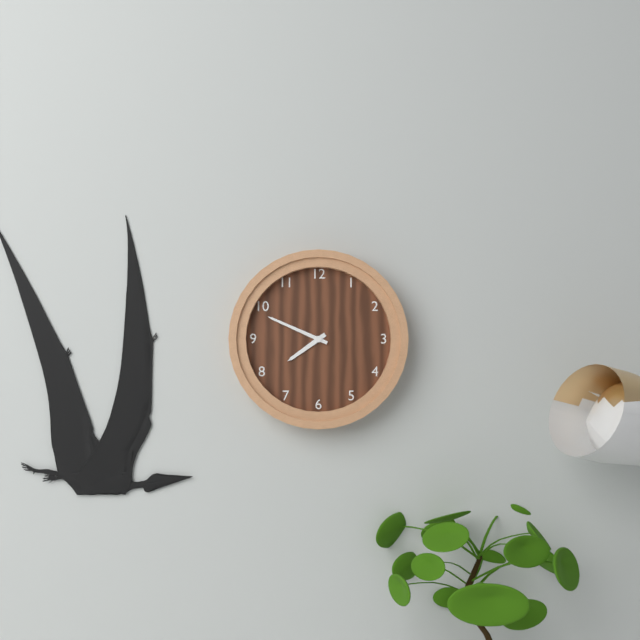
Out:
7 h 49 min
